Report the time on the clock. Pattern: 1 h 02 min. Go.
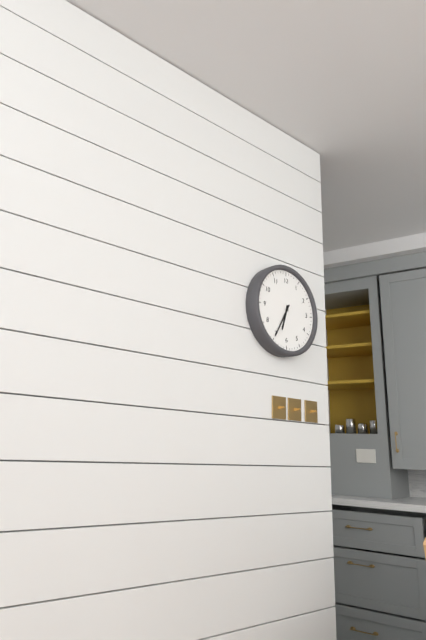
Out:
6 h 35 min
